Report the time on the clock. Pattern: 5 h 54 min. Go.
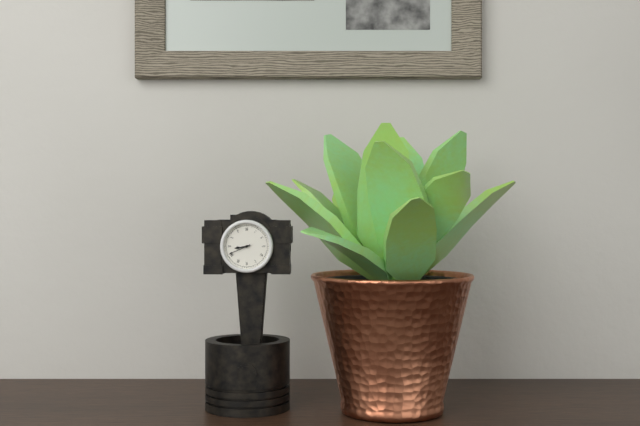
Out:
8 h 41 min
